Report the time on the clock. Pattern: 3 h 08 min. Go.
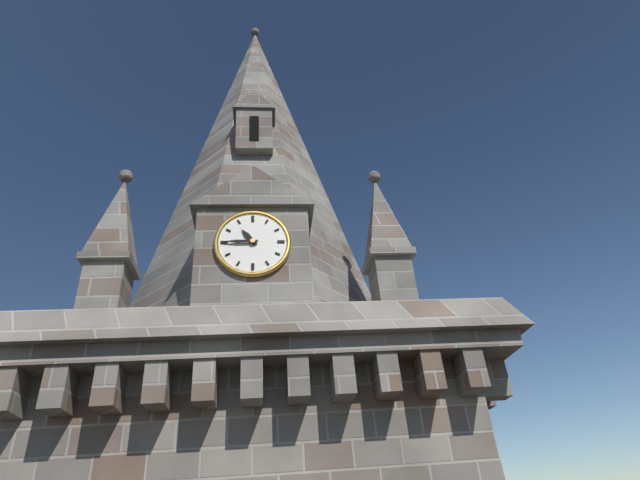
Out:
10 h 45 min
